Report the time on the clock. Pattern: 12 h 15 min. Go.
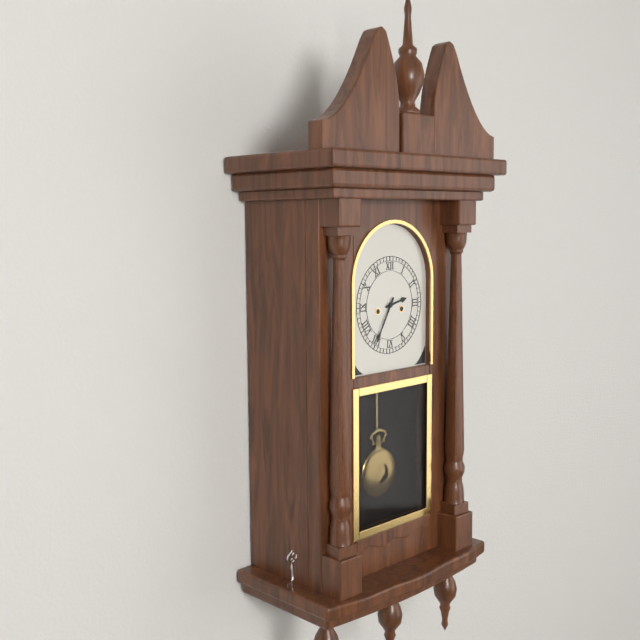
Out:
2 h 35 min
